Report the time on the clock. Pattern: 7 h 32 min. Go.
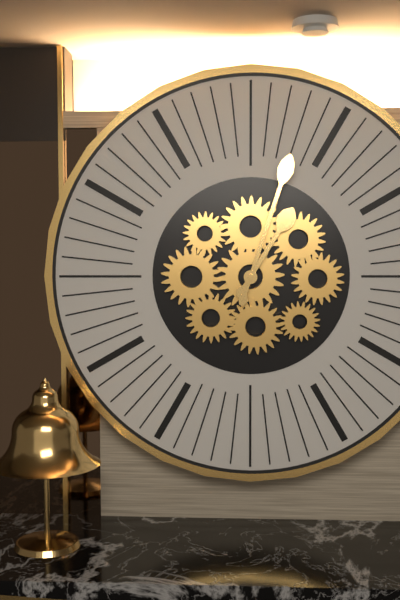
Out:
1 h 03 min
